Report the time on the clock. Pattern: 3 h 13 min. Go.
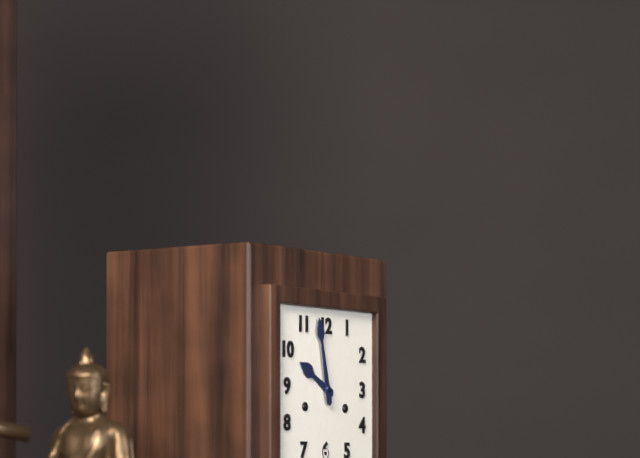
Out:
9 h 58 min
